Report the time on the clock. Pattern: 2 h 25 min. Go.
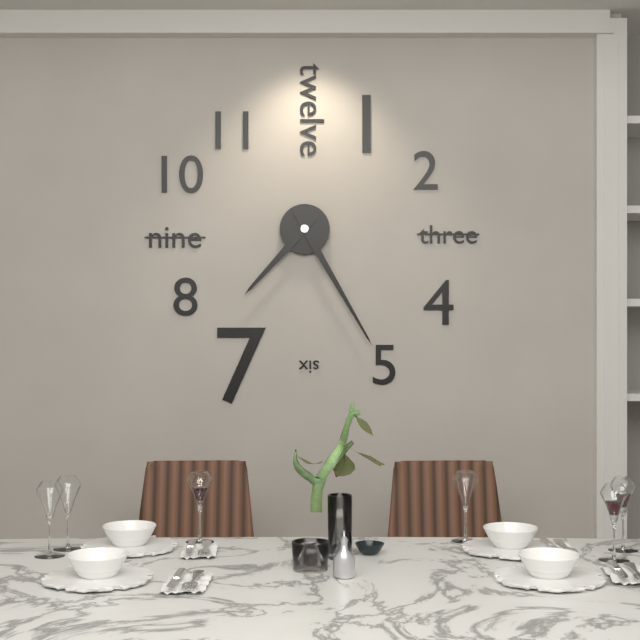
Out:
7 h 25 min
